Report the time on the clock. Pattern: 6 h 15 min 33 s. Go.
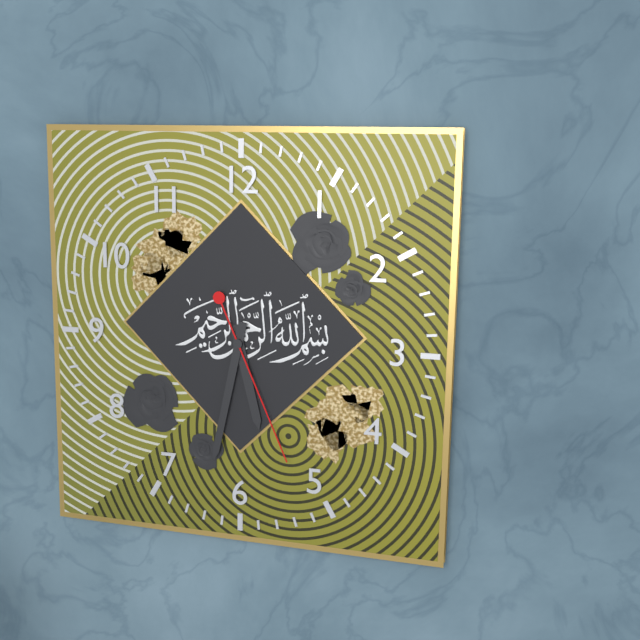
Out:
5 h 32 min 26 s
